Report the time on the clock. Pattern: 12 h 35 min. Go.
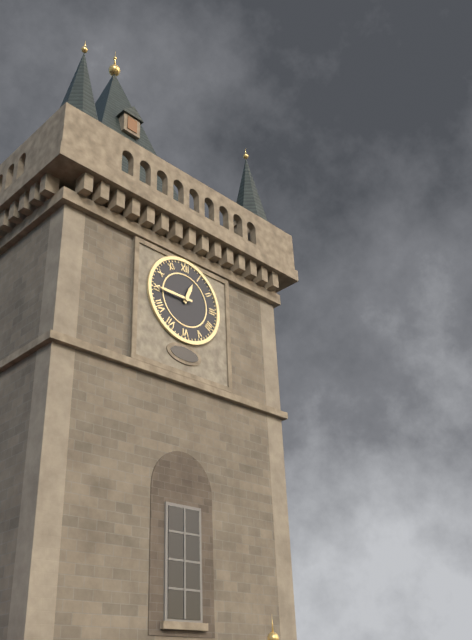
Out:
12 h 45 min
